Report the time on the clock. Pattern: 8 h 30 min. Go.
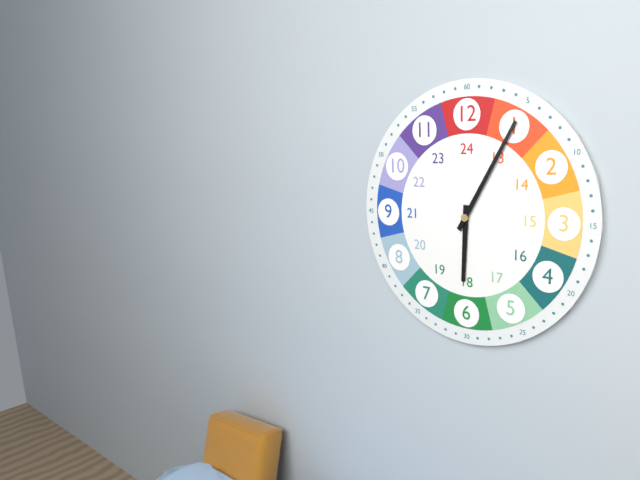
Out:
6 h 05 min
